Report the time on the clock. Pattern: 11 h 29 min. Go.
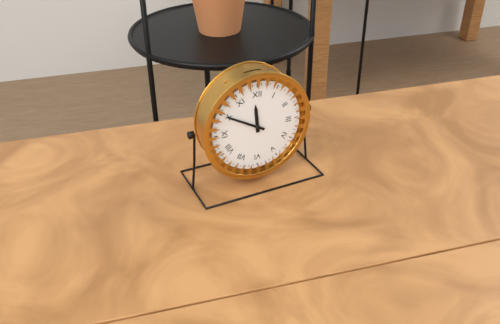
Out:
11 h 50 min
